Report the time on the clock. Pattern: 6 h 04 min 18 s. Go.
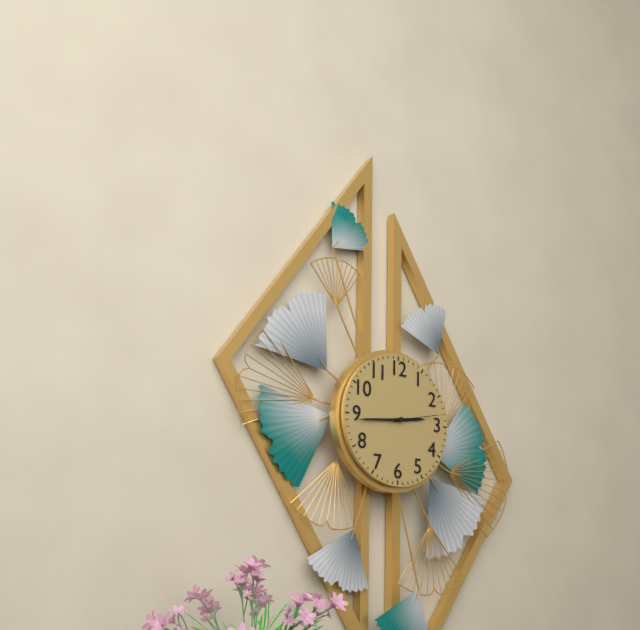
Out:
2 h 44 min 13 s
